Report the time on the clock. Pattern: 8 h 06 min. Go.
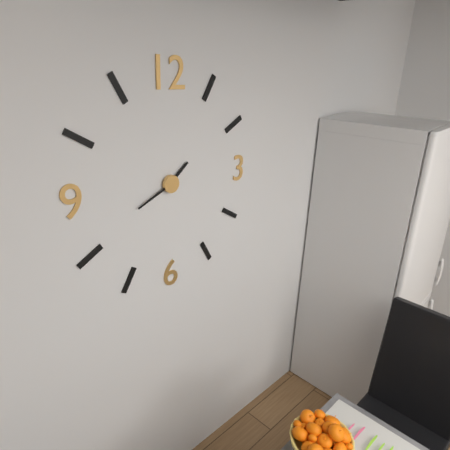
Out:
1 h 41 min
